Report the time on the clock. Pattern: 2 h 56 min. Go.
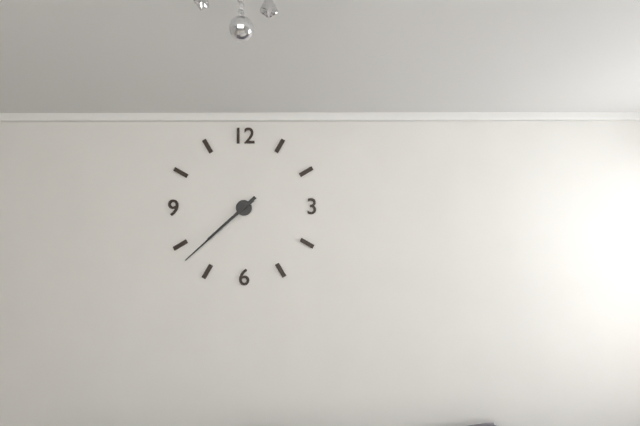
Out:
7 h 38 min
